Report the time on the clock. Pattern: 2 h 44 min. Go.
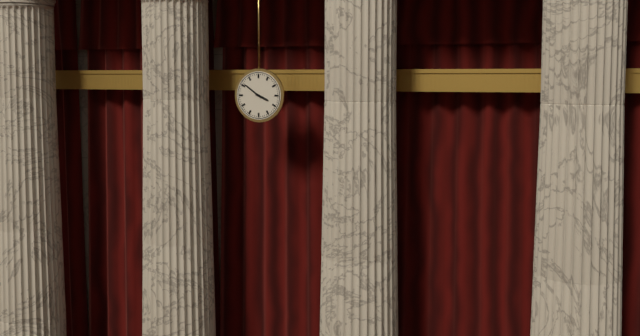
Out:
3 h 51 min
